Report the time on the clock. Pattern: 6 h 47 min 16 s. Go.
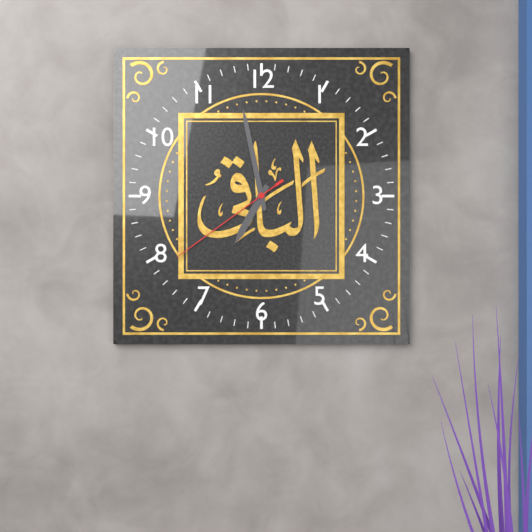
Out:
6 h 58 min 39 s
